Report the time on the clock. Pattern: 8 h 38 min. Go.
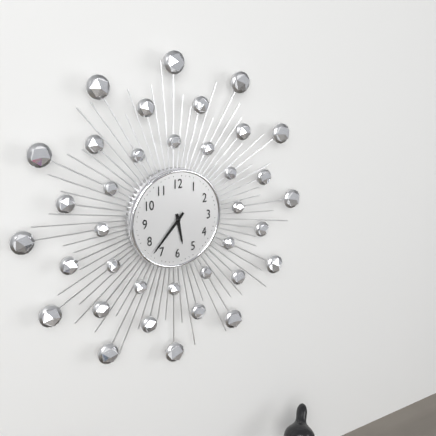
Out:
5 h 37 min
